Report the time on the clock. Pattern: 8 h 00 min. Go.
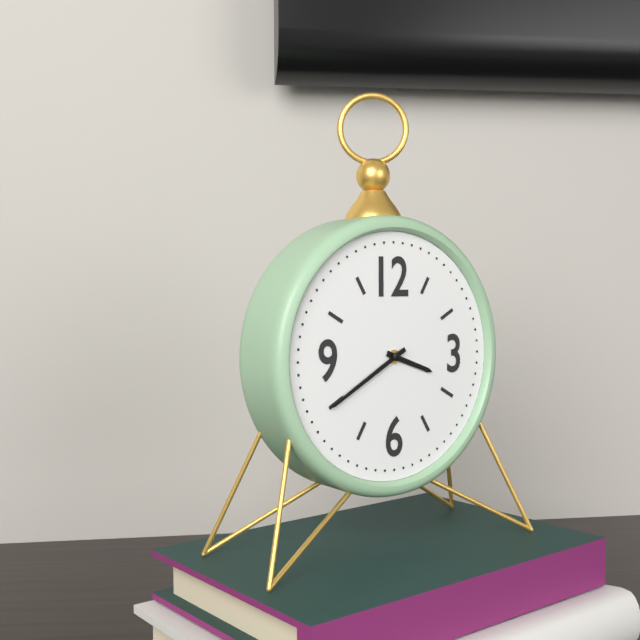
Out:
3 h 40 min
